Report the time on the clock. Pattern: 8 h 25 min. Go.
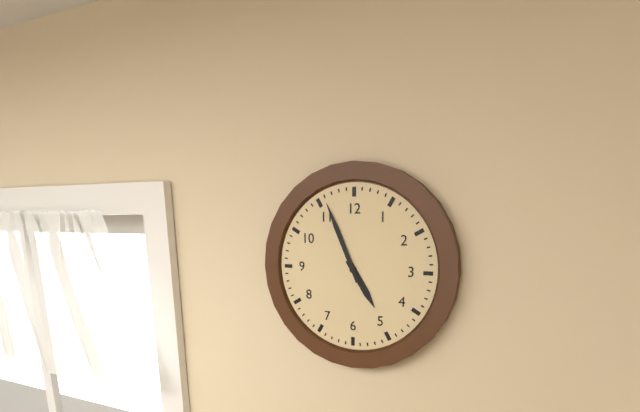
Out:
4 h 56 min
